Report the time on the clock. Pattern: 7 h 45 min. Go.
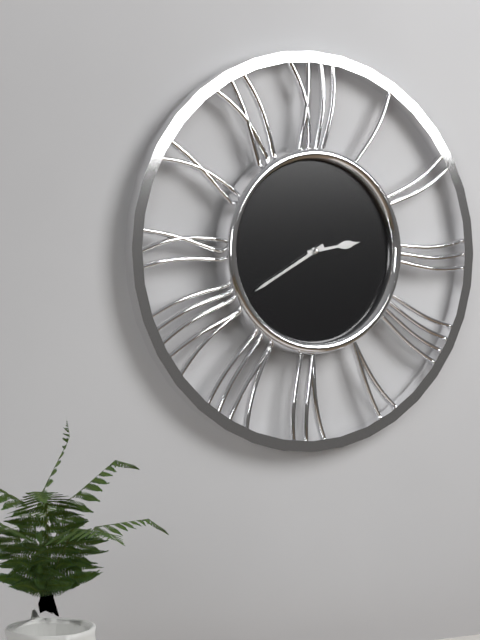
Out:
2 h 40 min
